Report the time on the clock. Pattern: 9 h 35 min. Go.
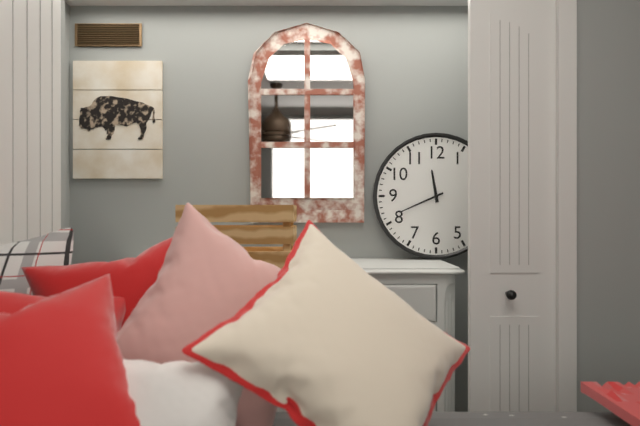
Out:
11 h 41 min
